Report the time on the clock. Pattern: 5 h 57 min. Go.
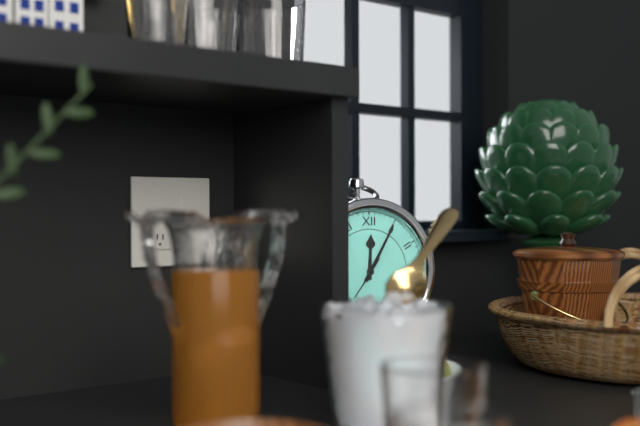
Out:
12 h 05 min
